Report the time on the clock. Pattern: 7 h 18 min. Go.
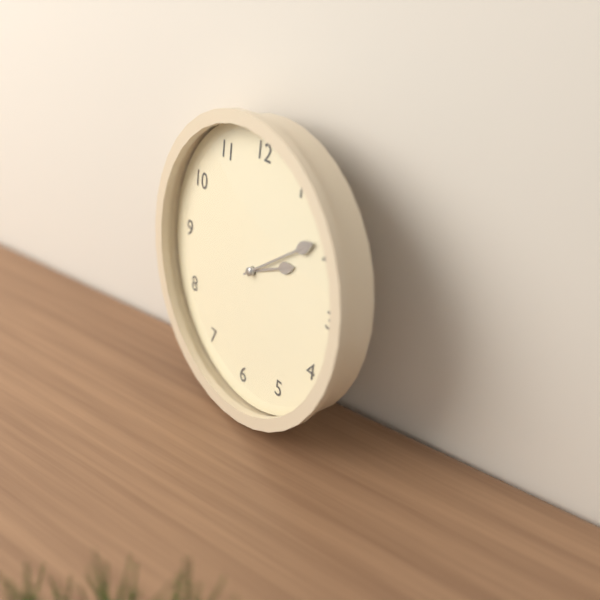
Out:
2 h 09 min
